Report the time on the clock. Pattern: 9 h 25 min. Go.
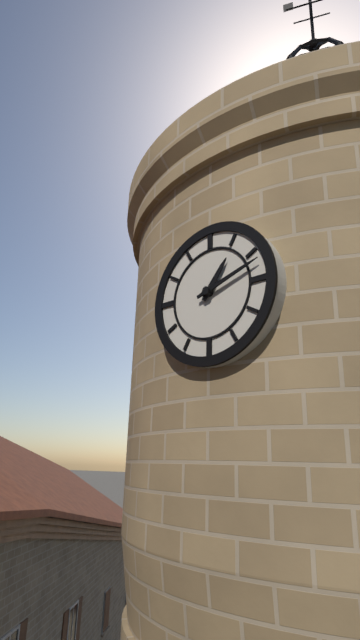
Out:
1 h 12 min
